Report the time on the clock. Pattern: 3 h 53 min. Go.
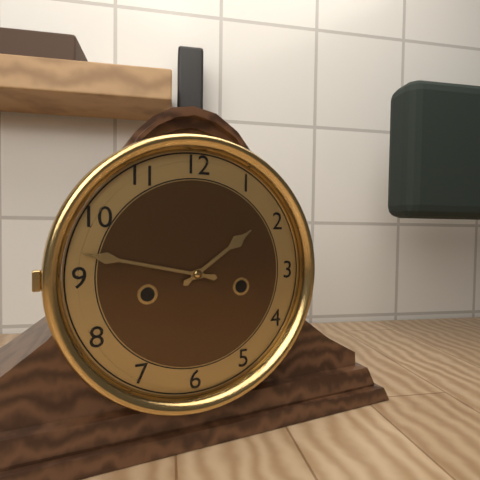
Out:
1 h 47 min
